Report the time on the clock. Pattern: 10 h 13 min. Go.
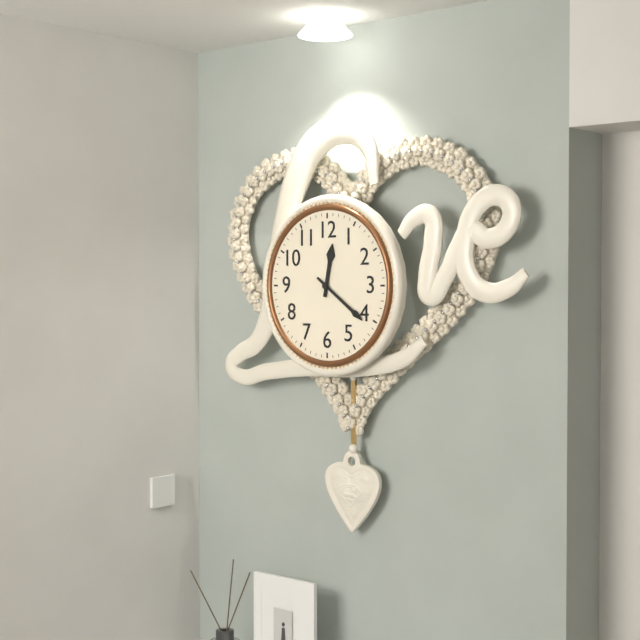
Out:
12 h 21 min
